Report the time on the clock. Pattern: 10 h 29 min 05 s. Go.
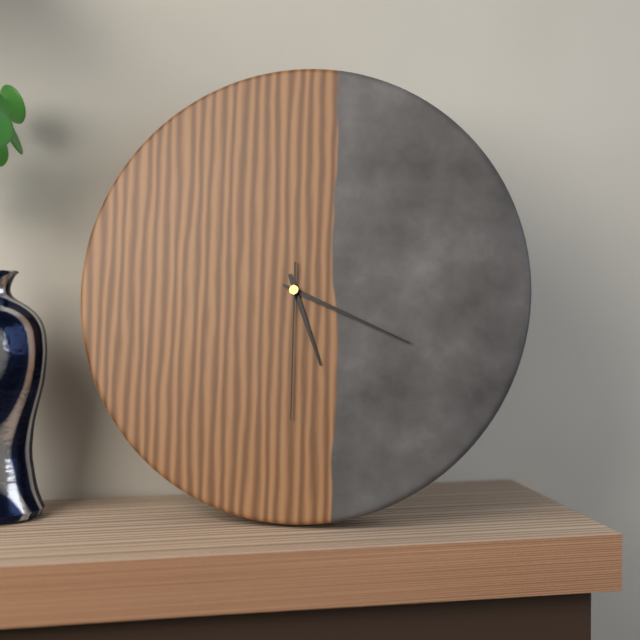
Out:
5 h 19 min 30 s
